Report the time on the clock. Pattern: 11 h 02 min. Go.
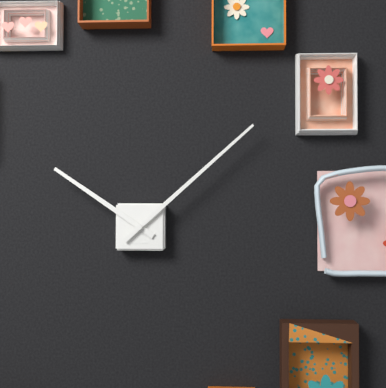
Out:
10 h 08 min
